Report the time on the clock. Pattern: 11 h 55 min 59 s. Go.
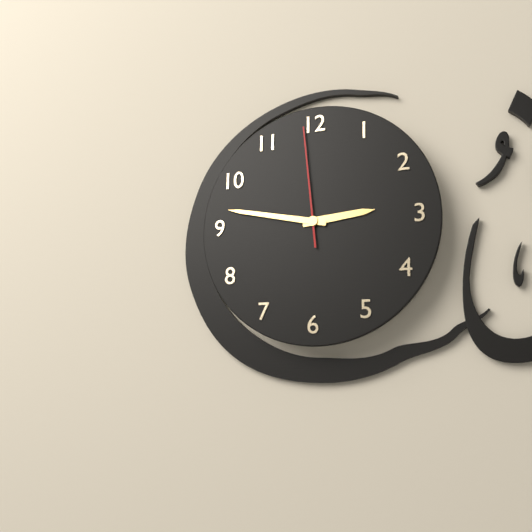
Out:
2 h 47 min 59 s
